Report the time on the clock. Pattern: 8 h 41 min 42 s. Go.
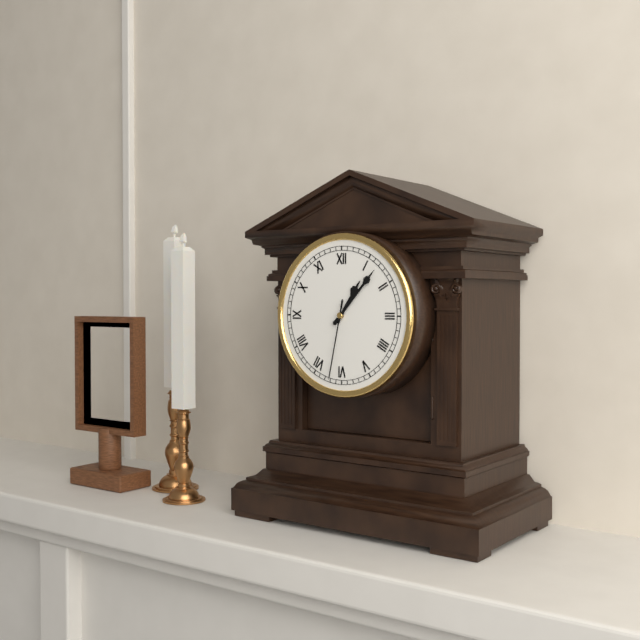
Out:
1 h 07 min 32 s
